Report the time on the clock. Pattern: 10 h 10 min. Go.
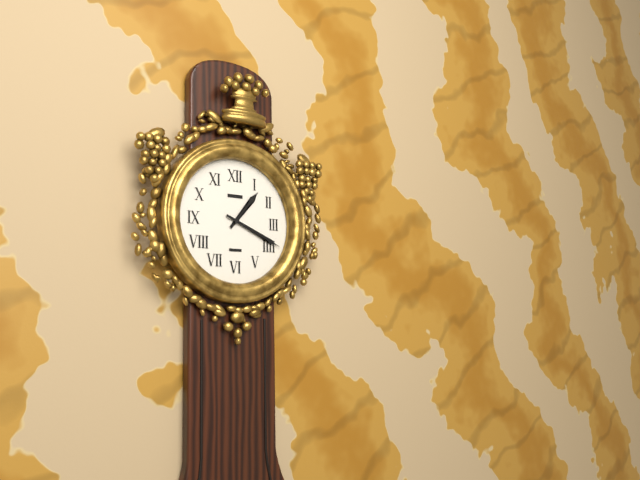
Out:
1 h 19 min
